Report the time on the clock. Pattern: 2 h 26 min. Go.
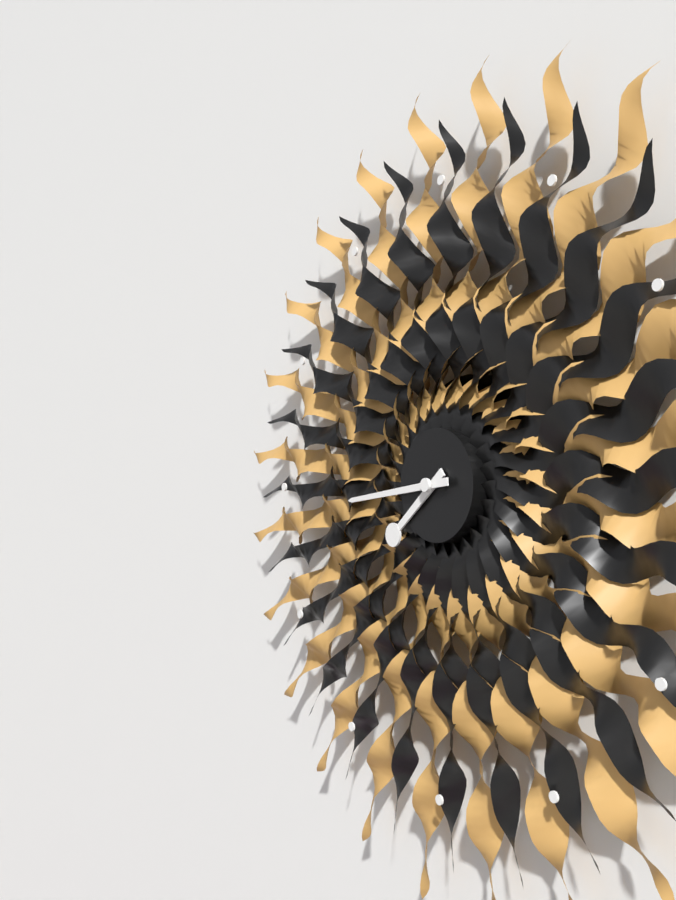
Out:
7 h 44 min
